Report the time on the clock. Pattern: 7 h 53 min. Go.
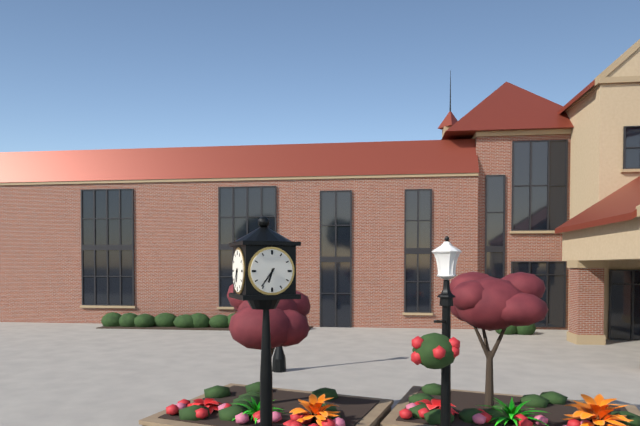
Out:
6 h 36 min
